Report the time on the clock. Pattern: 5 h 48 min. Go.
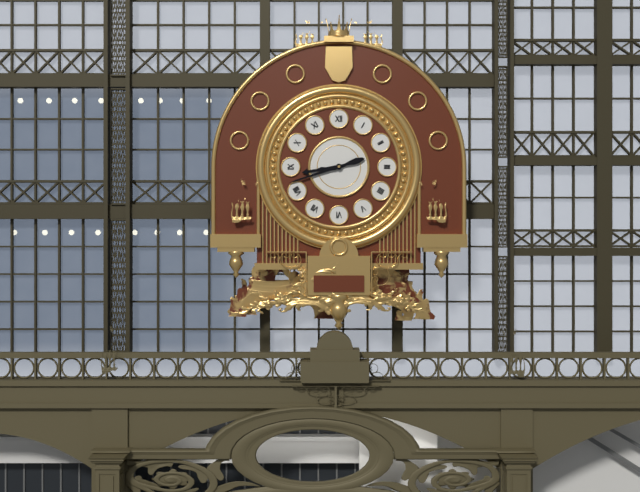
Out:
8 h 42 min
